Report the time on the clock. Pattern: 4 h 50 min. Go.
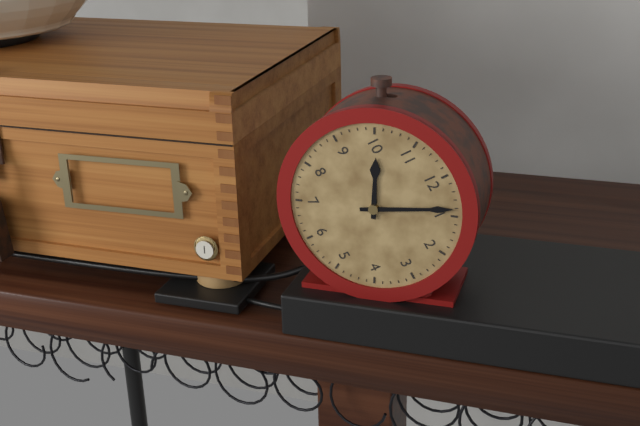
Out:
10 h 04 min
